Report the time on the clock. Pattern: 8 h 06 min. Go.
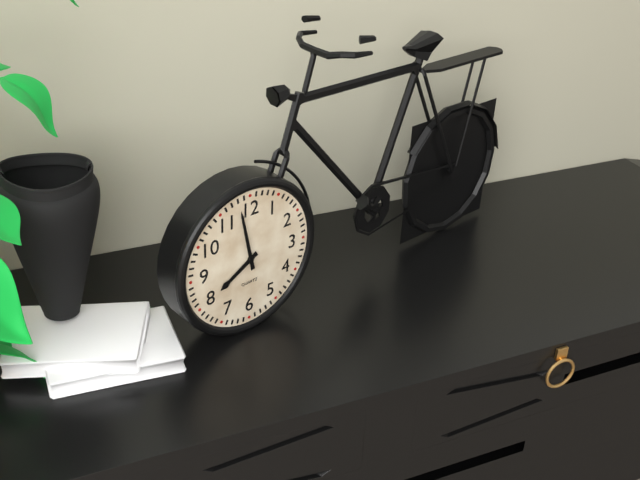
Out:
7 h 58 min
